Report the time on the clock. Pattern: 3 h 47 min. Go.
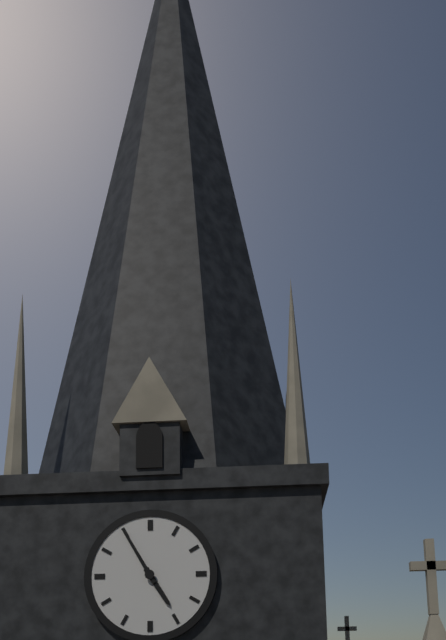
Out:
4 h 55 min
